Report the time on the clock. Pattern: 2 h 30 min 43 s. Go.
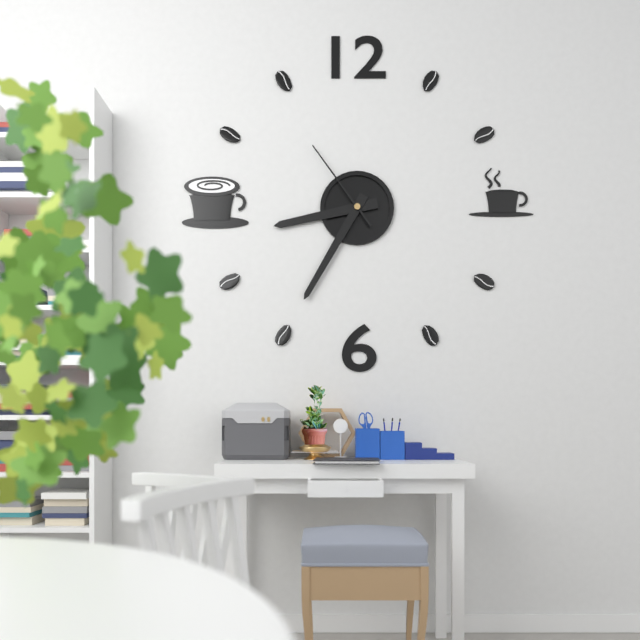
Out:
8 h 35 min 54 s
